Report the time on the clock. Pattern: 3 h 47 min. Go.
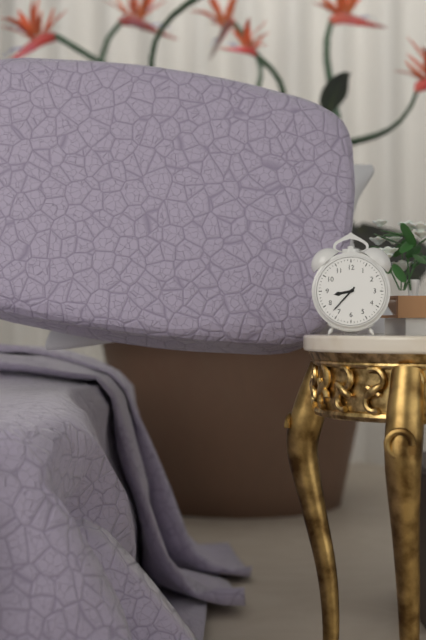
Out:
8 h 37 min
